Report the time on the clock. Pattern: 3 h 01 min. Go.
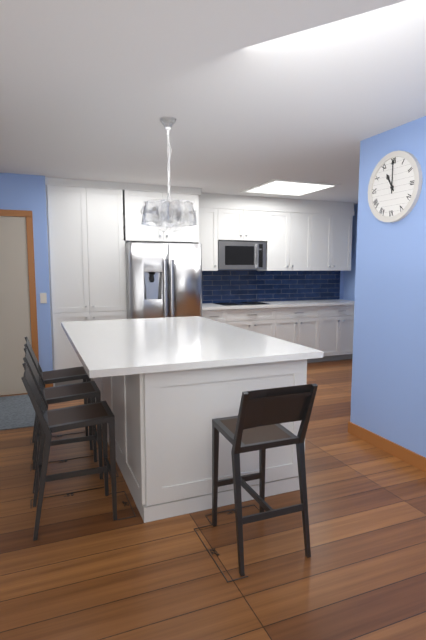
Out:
11 h 00 min
